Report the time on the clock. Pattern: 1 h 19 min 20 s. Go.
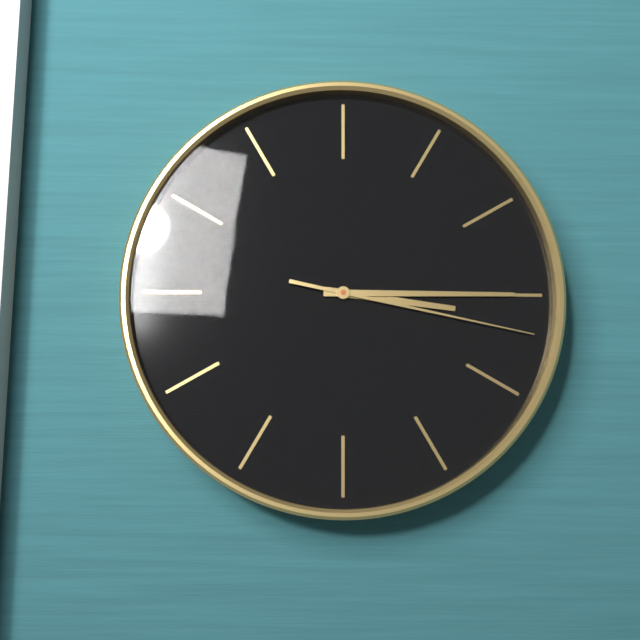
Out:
3 h 15 min 17 s
